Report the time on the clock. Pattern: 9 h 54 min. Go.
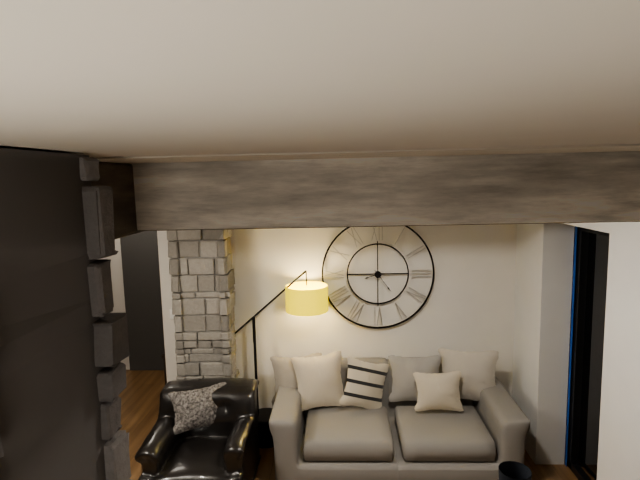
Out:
8 h 24 min
